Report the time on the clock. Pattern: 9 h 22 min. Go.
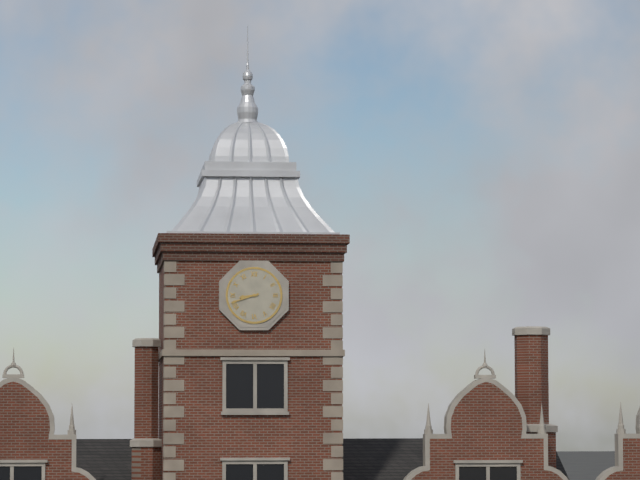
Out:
8 h 42 min
